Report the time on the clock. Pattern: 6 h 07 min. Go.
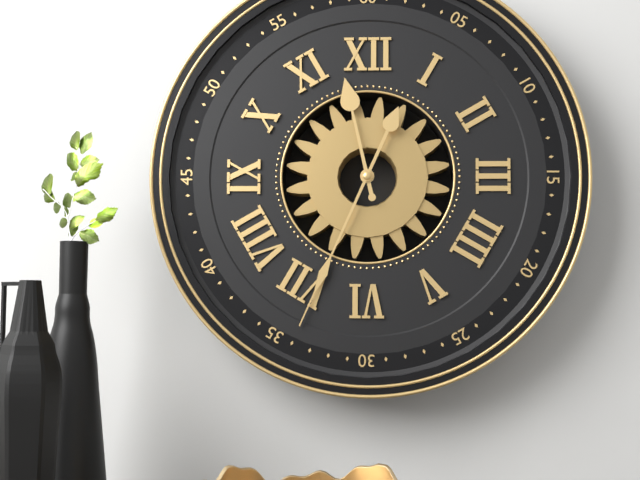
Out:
11 h 34 min
